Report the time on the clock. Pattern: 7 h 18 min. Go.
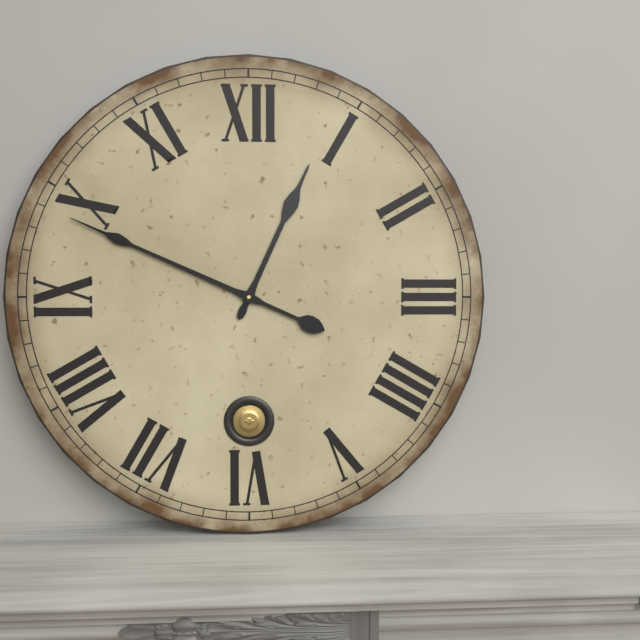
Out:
12 h 49 min
